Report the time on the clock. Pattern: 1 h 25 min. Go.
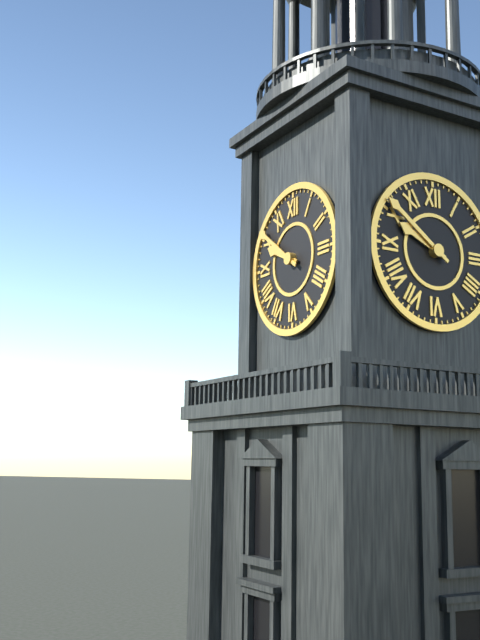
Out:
9 h 51 min
